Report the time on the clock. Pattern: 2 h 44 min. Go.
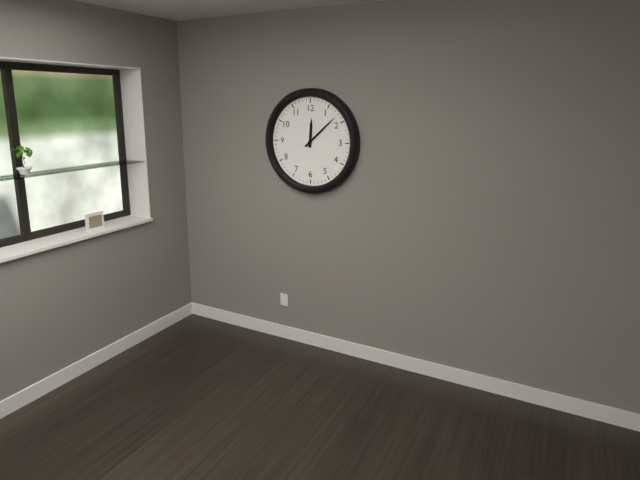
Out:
12 h 08 min
